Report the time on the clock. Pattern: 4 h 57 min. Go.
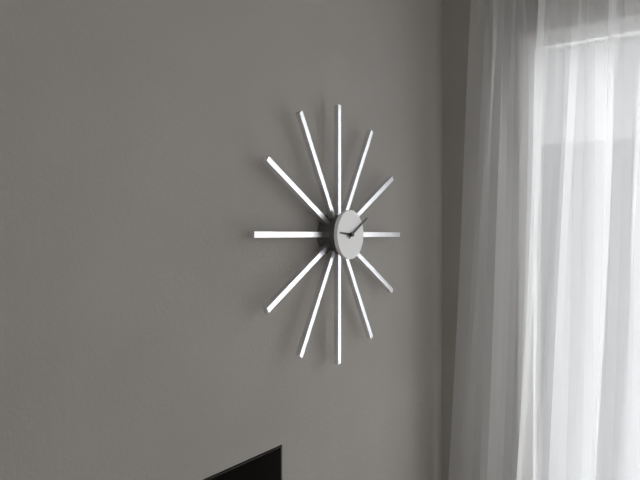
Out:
9 h 10 min
